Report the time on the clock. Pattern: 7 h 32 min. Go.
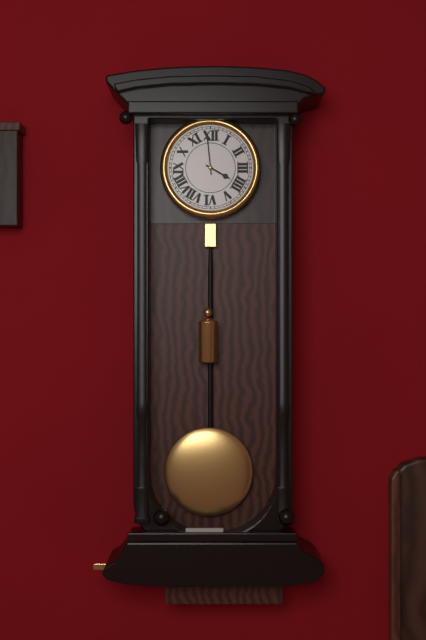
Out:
3 h 59 min
